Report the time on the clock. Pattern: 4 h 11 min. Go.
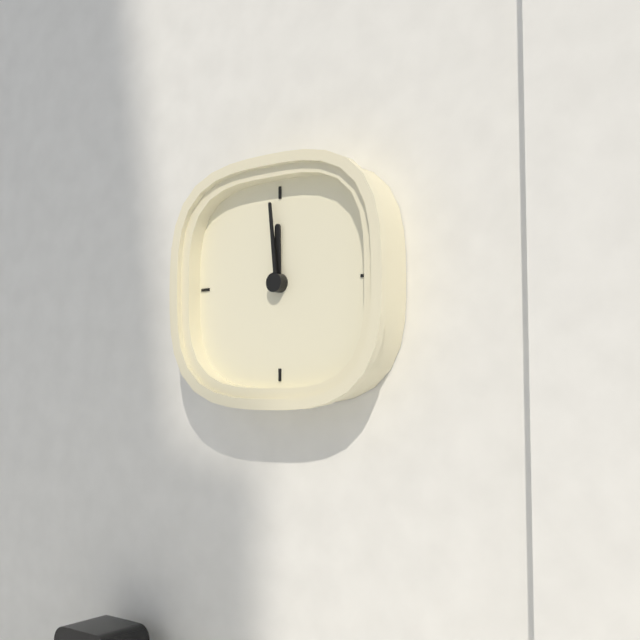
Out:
11 h 59 min
